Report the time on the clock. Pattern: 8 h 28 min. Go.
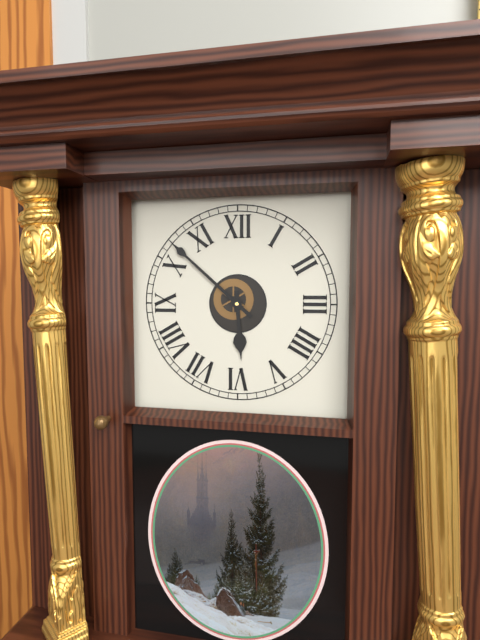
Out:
5 h 52 min
